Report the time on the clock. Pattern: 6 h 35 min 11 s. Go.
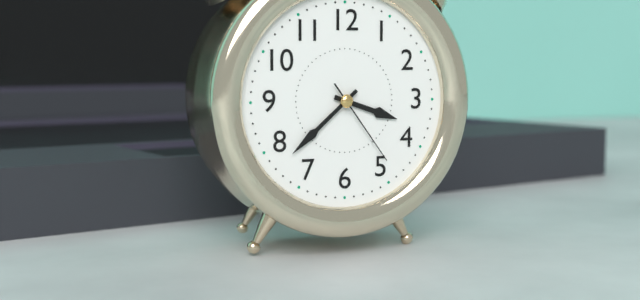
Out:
3 h 38 min 24 s
